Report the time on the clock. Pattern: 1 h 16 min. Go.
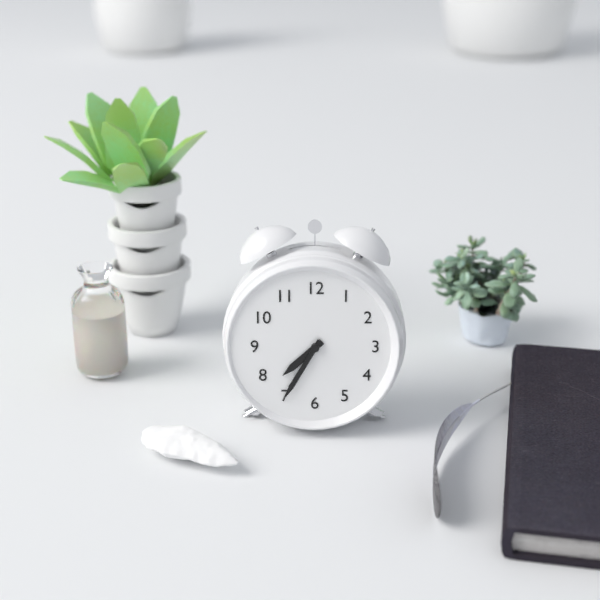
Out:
7 h 35 min
